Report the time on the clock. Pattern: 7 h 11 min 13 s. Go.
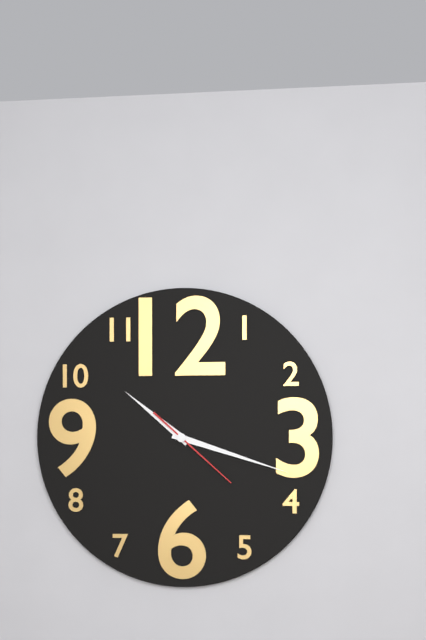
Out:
10 h 18 min 22 s
